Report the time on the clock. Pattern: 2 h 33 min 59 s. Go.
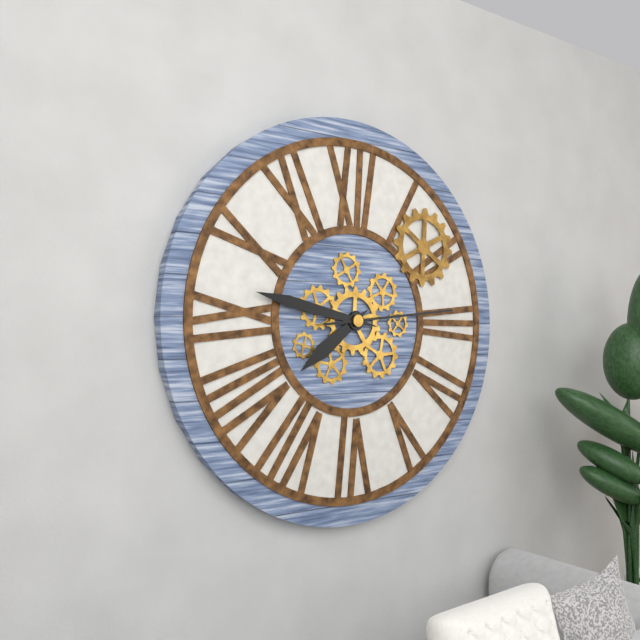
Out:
7 h 47 min 14 s
